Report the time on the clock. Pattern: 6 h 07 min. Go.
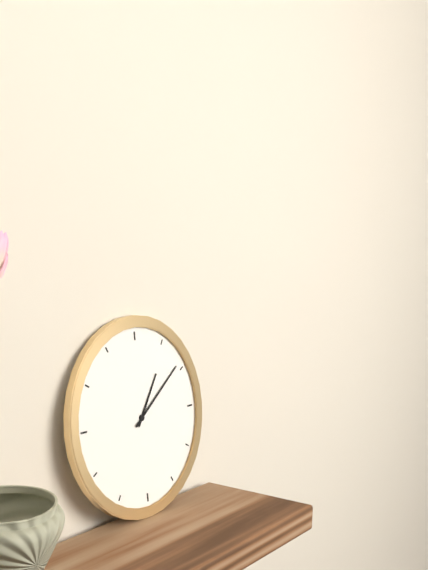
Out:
1 h 09 min
